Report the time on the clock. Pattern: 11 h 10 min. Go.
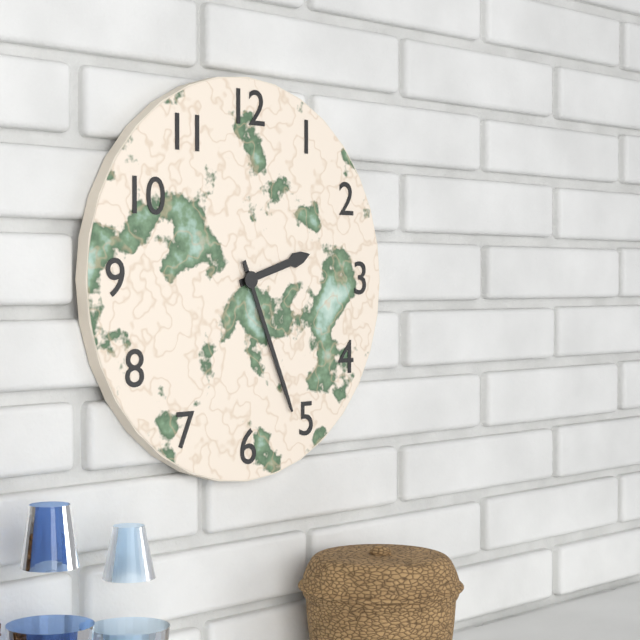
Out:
2 h 26 min
